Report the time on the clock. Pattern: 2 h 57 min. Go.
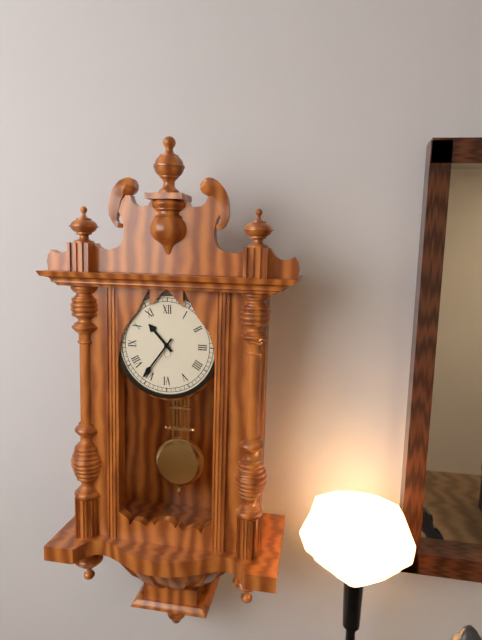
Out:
10 h 36 min
